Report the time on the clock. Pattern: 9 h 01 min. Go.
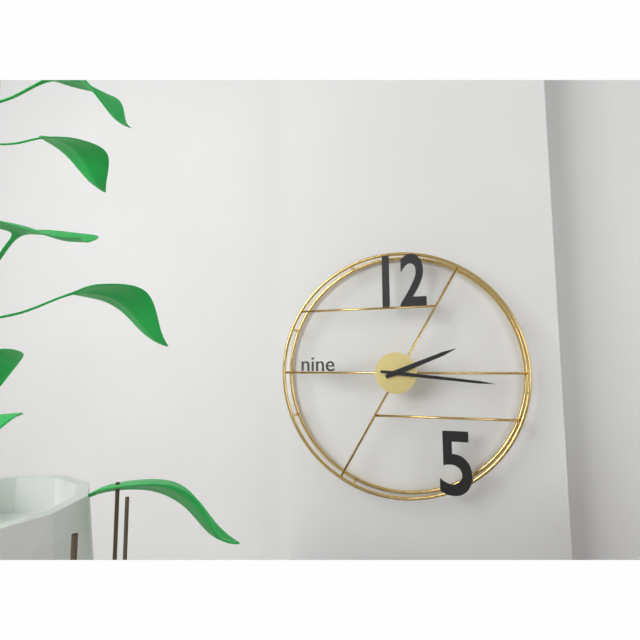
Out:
2 h 16 min
